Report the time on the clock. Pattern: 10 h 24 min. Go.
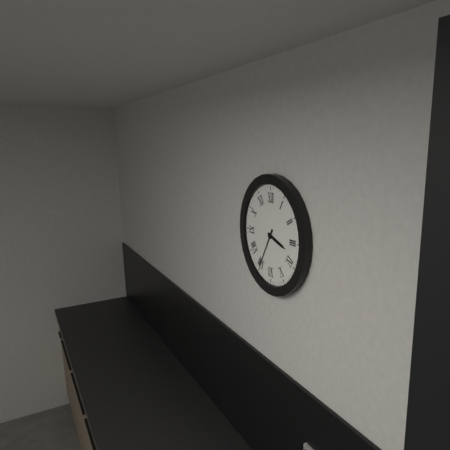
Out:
3 h 35 min
